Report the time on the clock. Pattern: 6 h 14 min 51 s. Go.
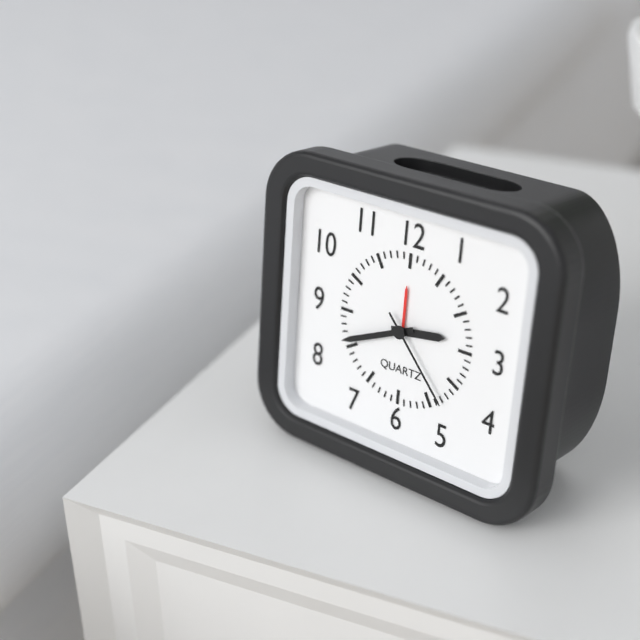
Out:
2 h 41 min 23 s
